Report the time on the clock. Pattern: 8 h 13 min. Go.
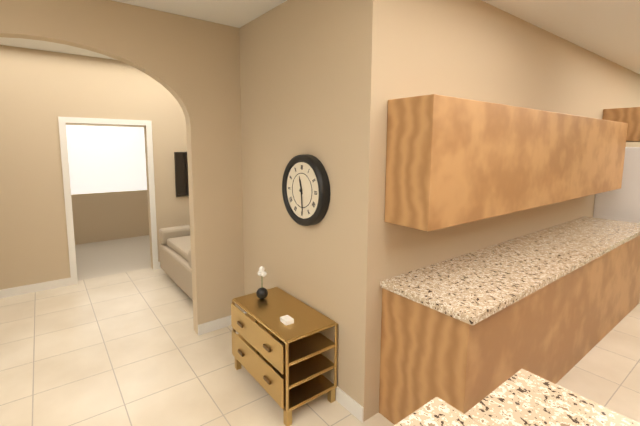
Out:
11 h 29 min
